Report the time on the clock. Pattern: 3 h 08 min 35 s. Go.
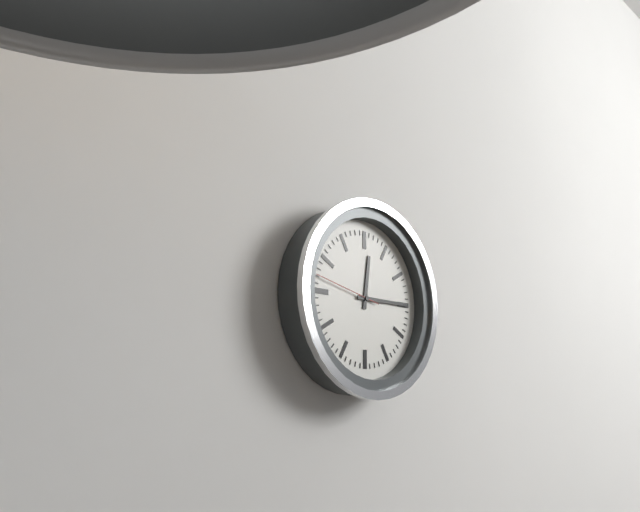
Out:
12 h 15 min 47 s
